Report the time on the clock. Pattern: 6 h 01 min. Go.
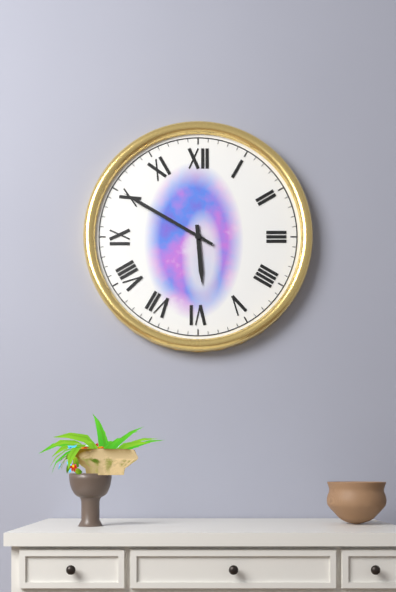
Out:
5 h 50 min
